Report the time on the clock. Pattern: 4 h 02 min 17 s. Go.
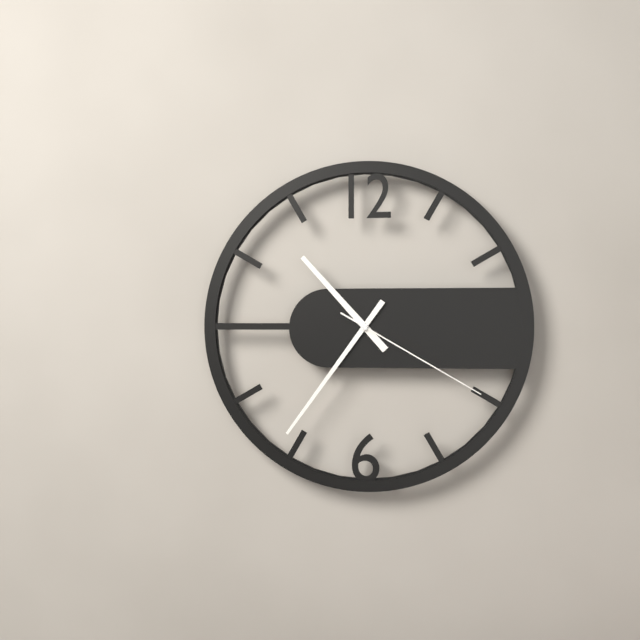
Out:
10 h 36 min 20 s
